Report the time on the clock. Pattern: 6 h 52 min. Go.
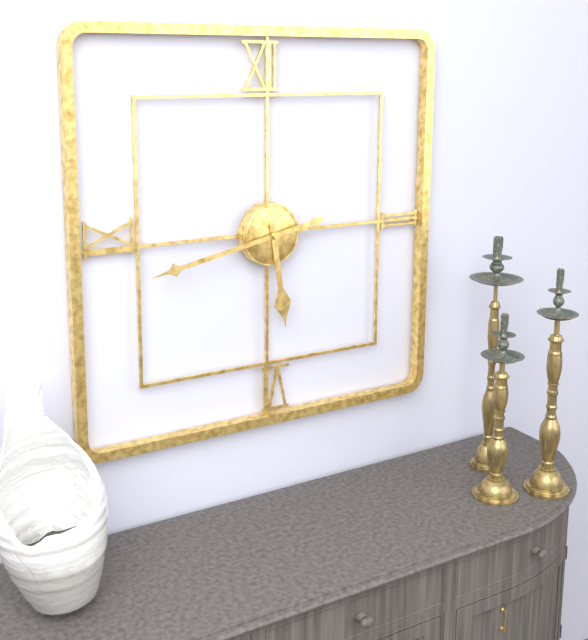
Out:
5 h 43 min
